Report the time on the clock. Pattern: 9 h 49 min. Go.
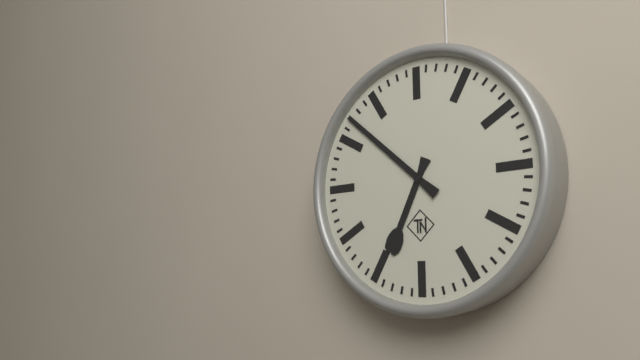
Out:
6 h 52 min
